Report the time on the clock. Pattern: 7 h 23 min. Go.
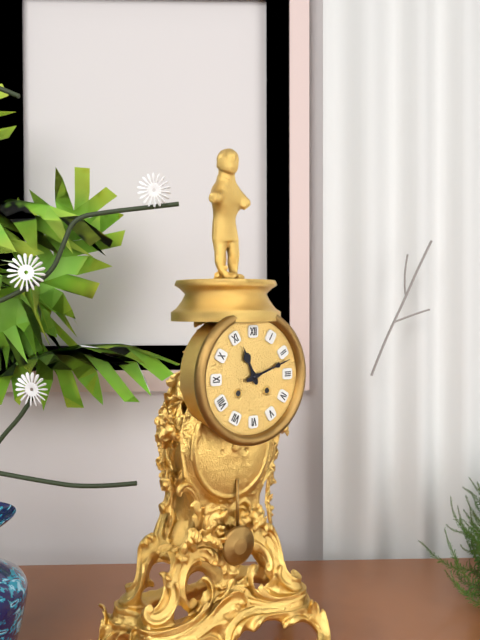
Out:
11 h 12 min
